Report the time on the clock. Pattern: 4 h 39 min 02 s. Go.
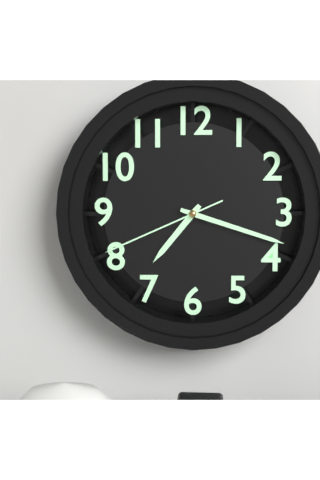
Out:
7 h 18 min 41 s
